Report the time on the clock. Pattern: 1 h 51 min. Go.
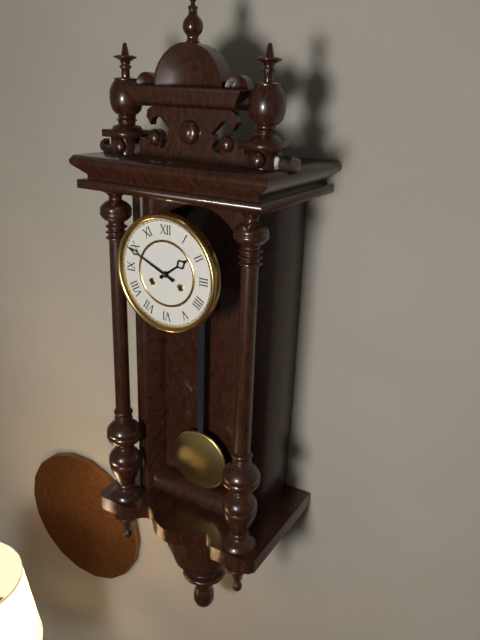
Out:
1 h 49 min
